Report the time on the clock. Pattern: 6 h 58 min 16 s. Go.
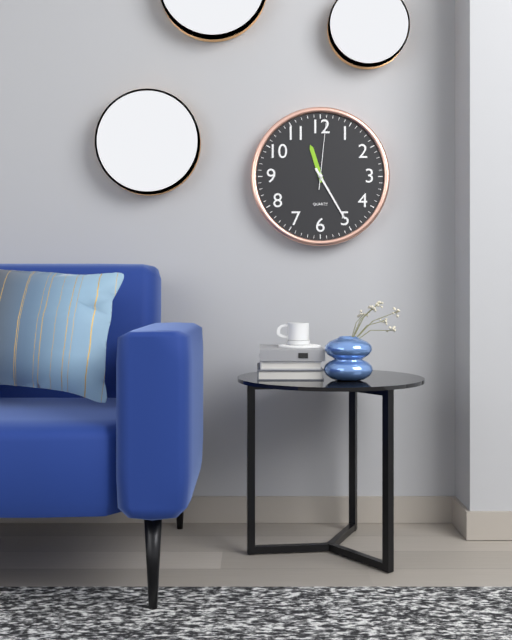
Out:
11 h 25 min 01 s
